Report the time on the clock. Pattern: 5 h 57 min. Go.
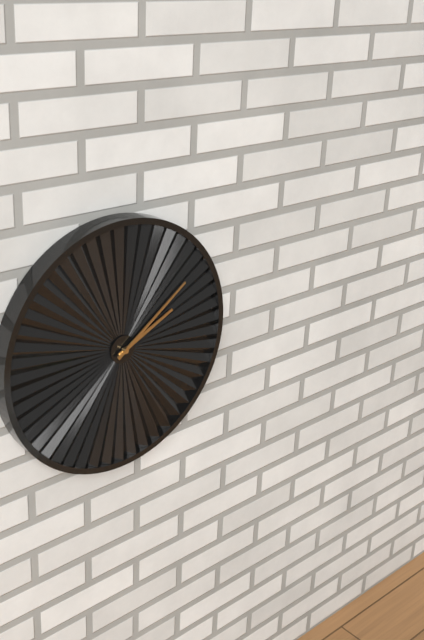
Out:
2 h 09 min
